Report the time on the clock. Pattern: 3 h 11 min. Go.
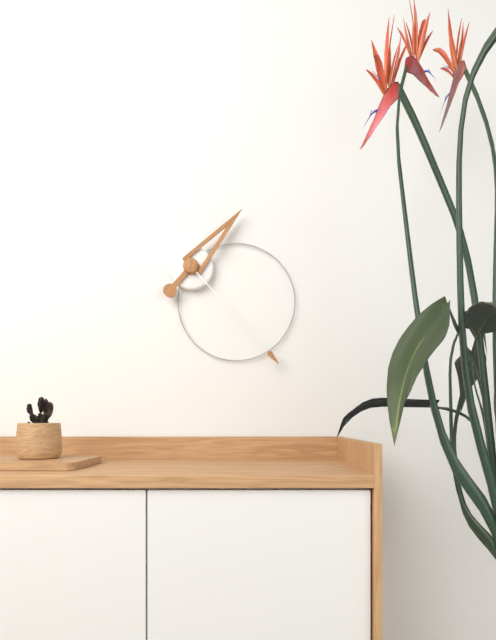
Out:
1 h 23 min
